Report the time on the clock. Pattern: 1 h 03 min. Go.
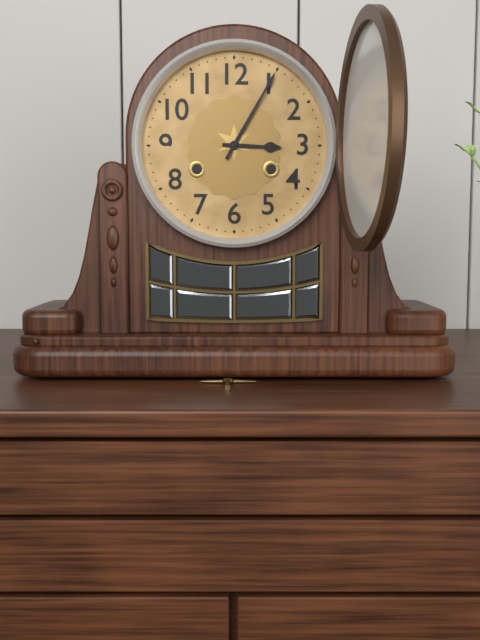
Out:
3 h 05 min
